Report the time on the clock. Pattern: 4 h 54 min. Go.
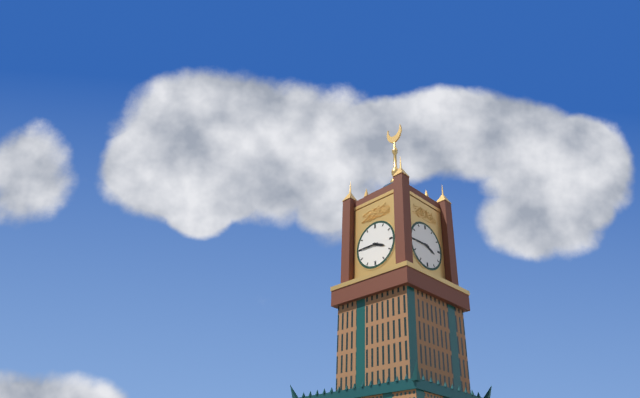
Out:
3 h 45 min
